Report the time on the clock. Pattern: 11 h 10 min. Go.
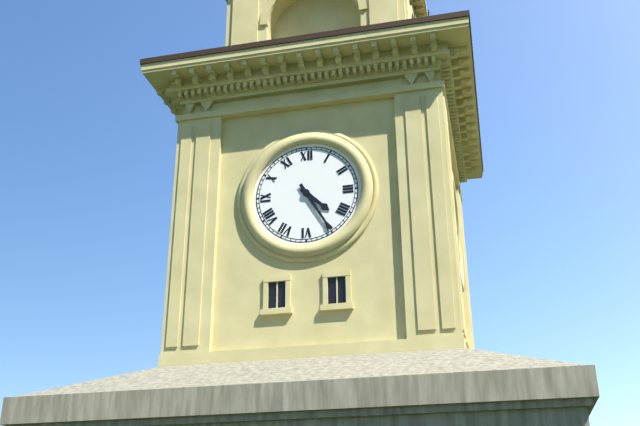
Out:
4 h 25 min
